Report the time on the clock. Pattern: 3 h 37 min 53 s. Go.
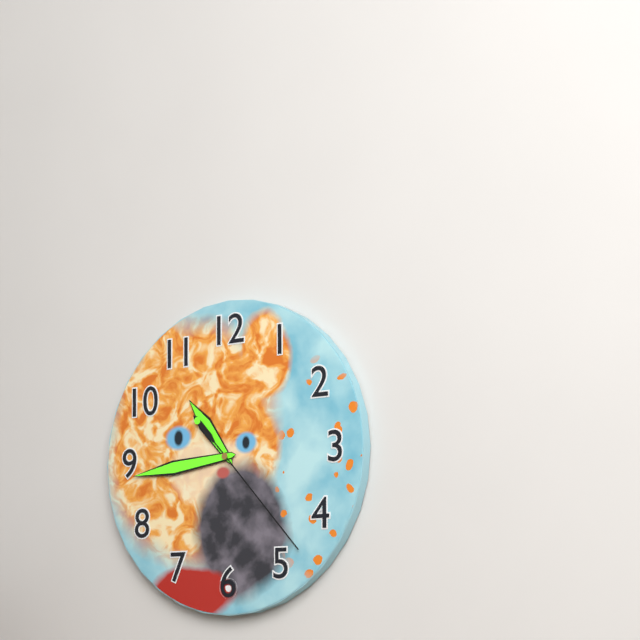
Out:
10 h 44 min 23 s
